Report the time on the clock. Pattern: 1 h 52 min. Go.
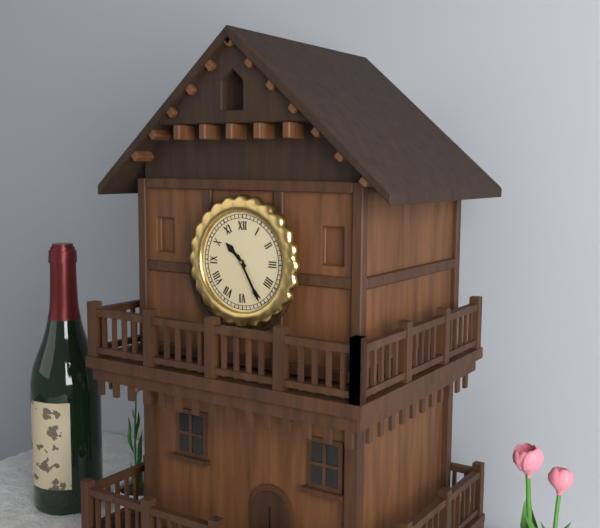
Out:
10 h 25 min
